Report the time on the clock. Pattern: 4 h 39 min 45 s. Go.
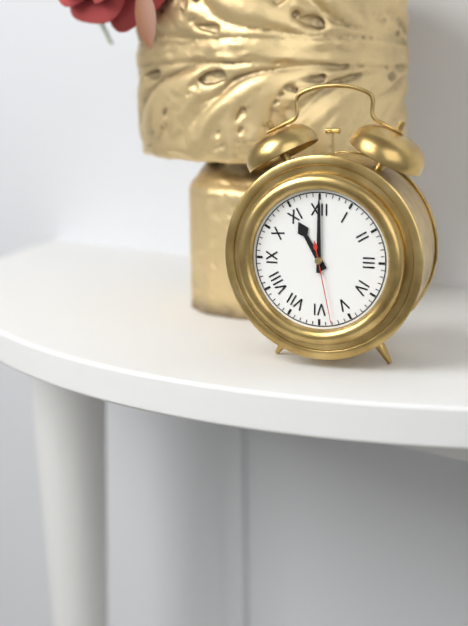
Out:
11 h 00 min 28 s
